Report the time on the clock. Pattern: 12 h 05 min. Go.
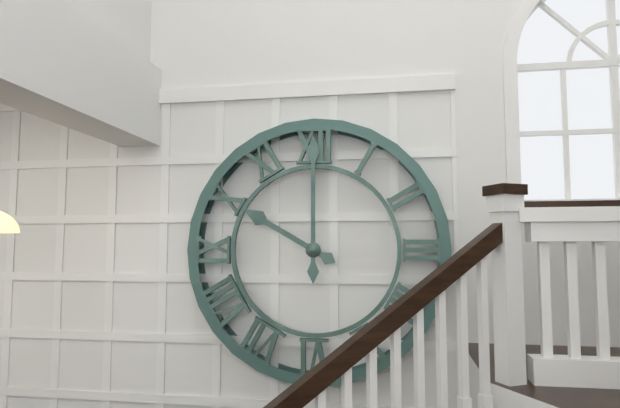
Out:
10 h 00 min
